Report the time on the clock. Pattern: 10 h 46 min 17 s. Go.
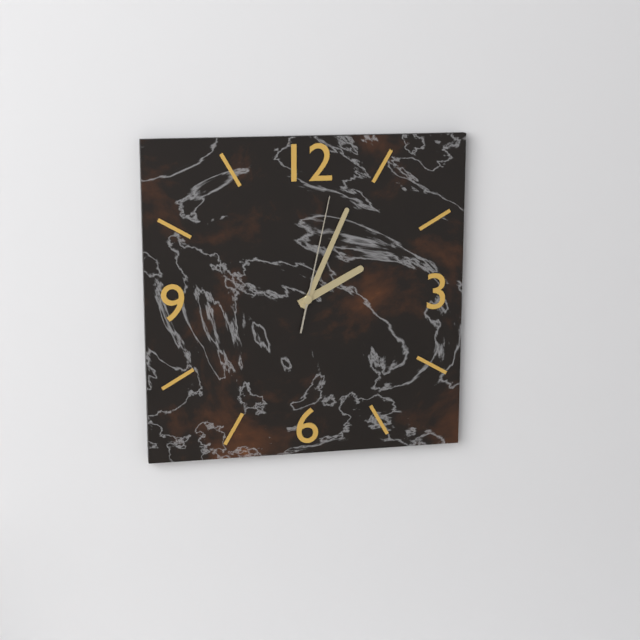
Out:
2 h 04 min 02 s
